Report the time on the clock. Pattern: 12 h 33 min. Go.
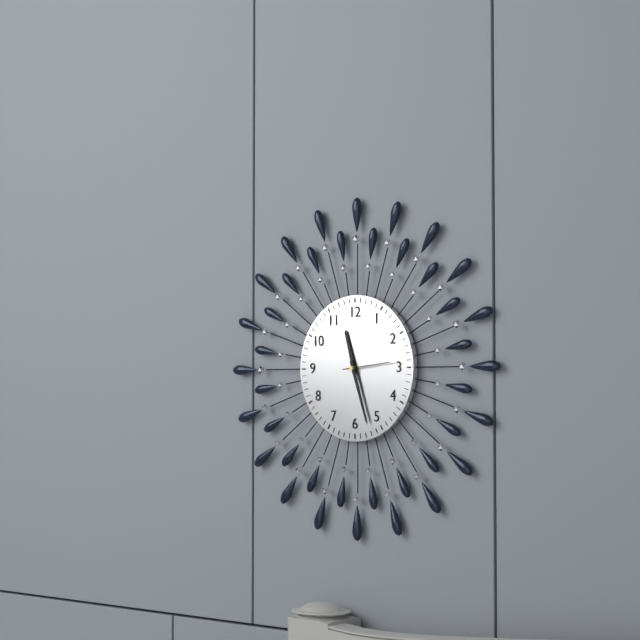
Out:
11 h 27 min
